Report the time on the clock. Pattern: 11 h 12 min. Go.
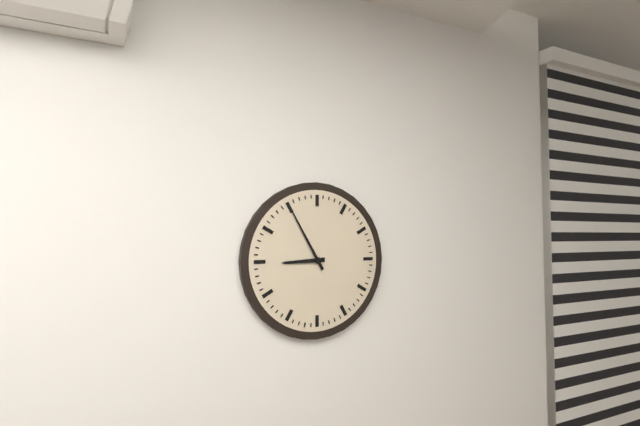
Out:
8 h 55 min
